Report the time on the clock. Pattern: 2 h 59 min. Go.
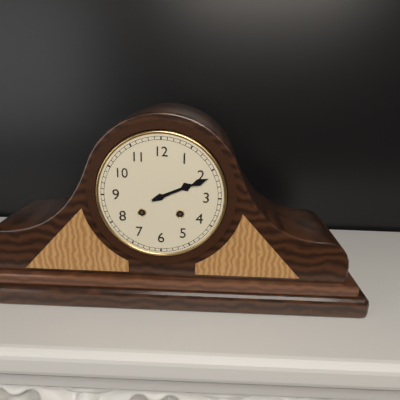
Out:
2 h 11 min
